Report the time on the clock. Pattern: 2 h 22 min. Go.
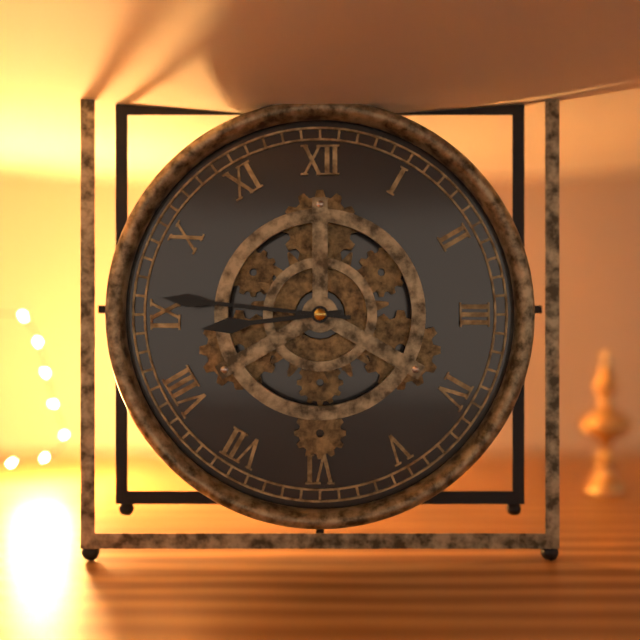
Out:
8 h 46 min
